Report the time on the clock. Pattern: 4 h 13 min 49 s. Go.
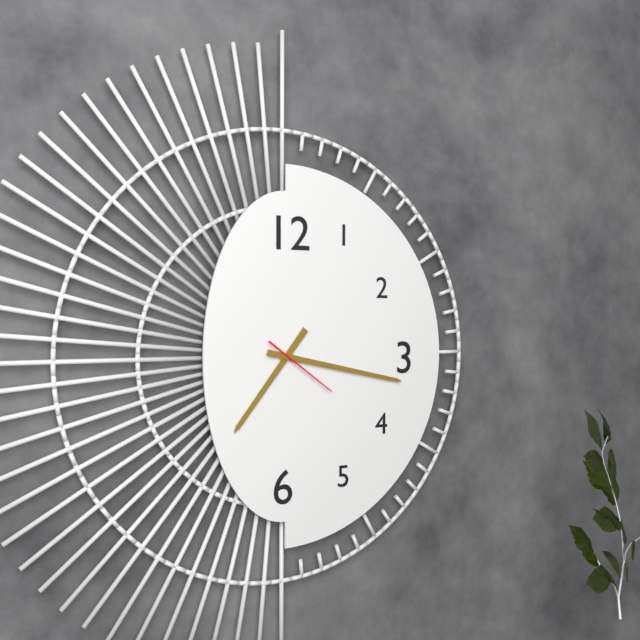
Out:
7 h 17 min 21 s
